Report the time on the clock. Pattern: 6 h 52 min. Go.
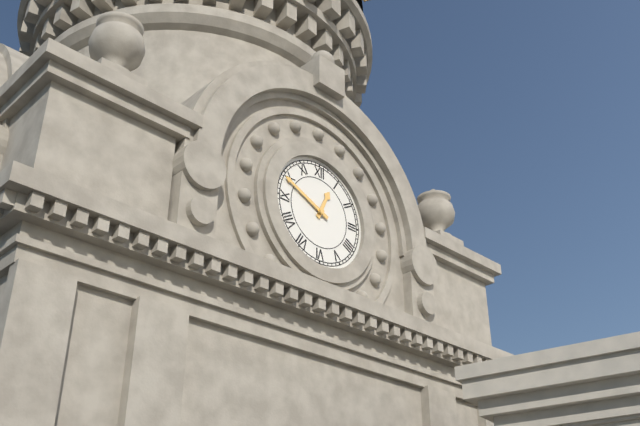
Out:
12 h 49 min
